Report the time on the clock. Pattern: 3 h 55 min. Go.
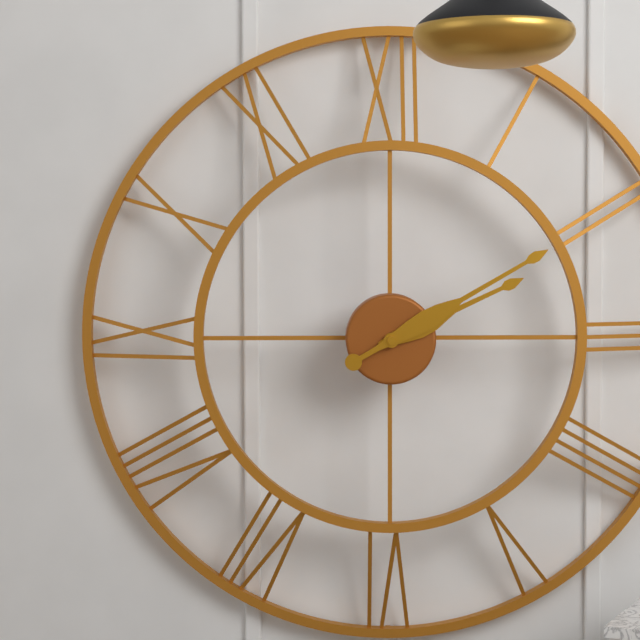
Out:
2 h 10 min
